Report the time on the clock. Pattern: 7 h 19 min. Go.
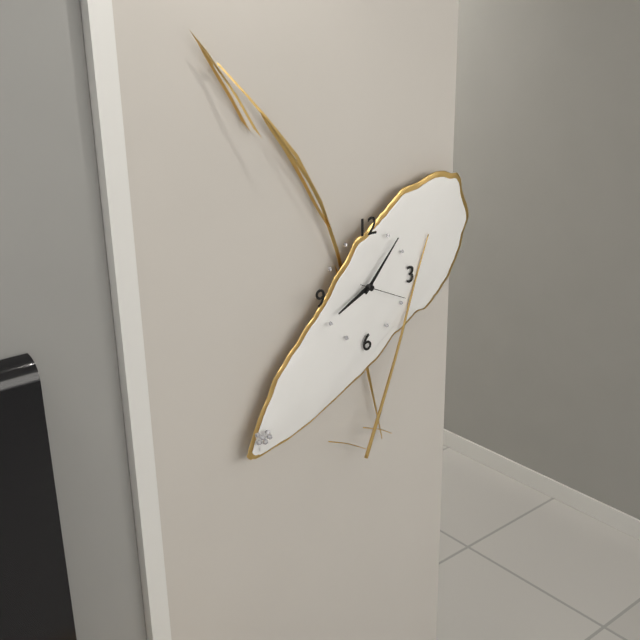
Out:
8 h 07 min
